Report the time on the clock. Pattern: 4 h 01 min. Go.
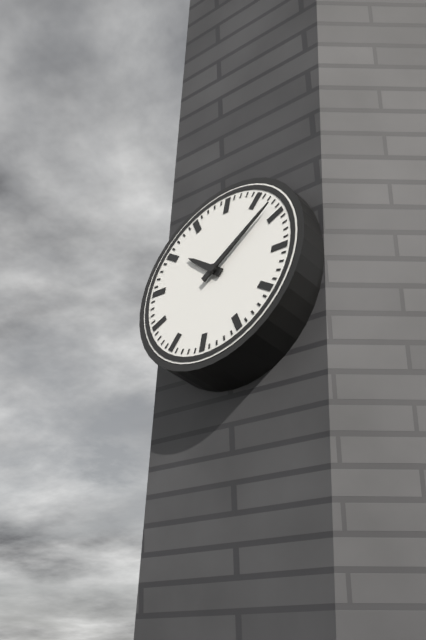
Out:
10 h 08 min
